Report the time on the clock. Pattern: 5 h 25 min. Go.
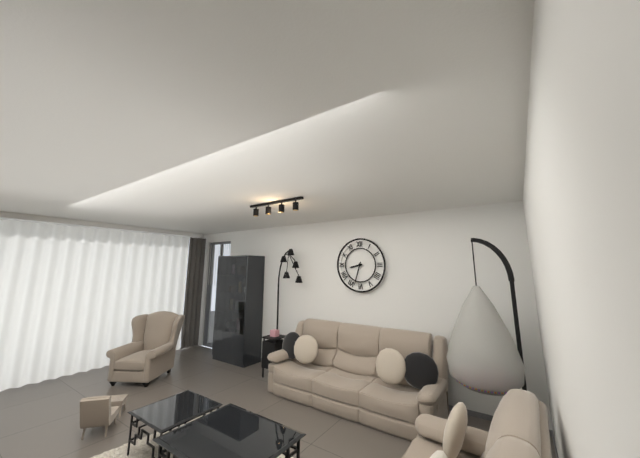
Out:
8 h 33 min
